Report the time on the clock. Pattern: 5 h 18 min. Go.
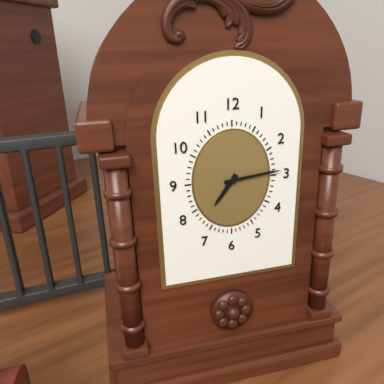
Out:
7 h 14 min
